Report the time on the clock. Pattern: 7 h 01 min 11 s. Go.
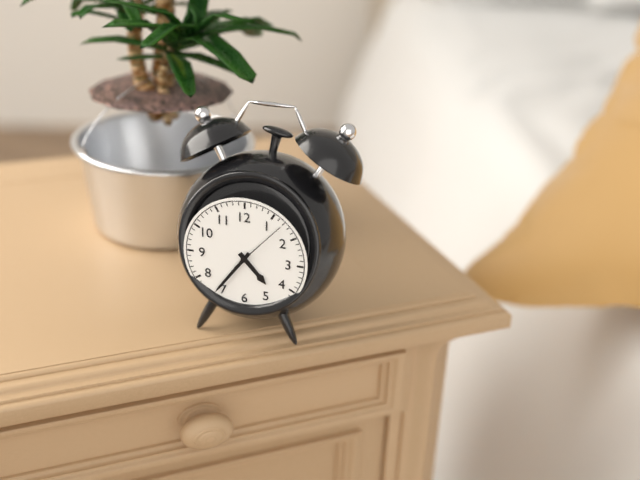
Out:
4 h 36 min 07 s
